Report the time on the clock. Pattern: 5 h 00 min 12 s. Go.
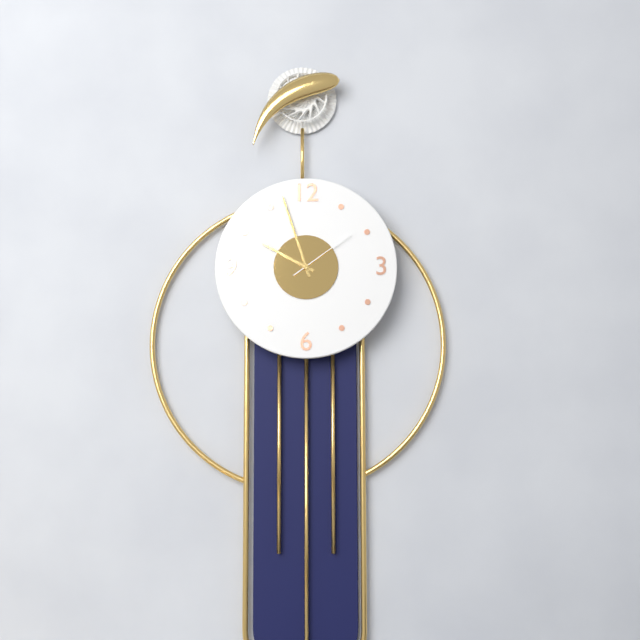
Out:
9 h 57 min 09 s
